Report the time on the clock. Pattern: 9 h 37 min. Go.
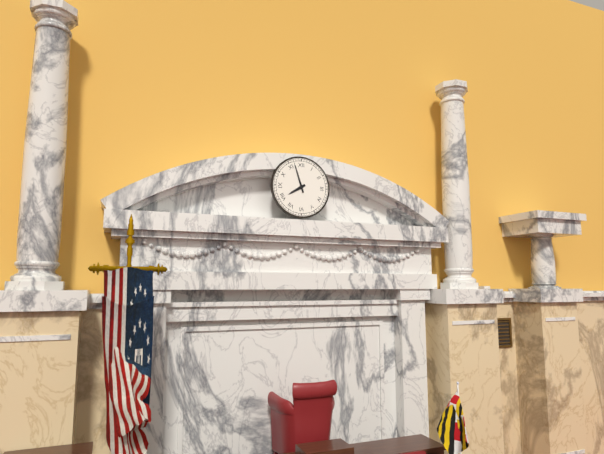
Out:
7 h 57 min
